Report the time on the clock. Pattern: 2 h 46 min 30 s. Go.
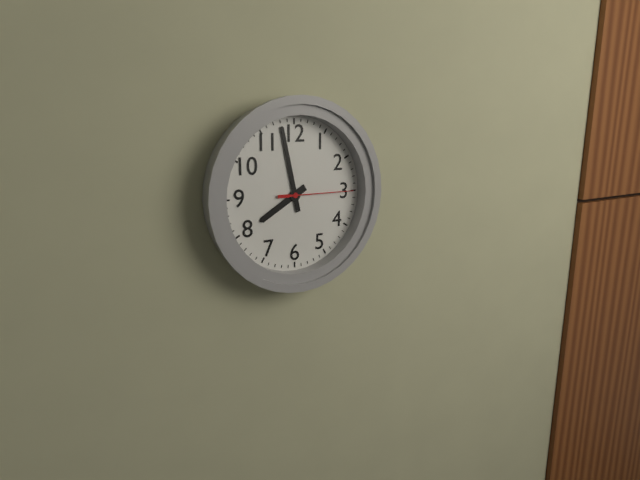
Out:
7 h 58 min 15 s
